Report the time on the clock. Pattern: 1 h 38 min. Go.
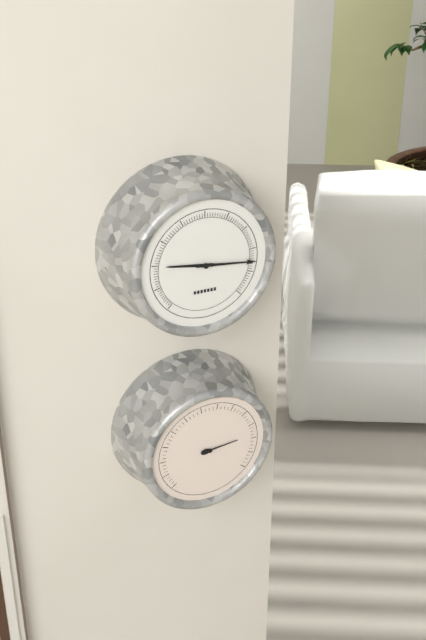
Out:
9 h 16 min
